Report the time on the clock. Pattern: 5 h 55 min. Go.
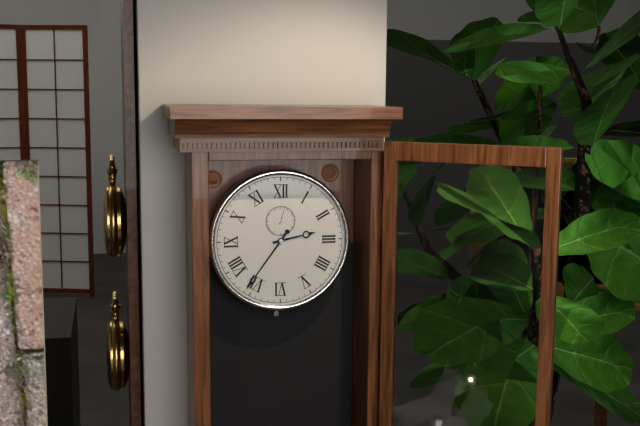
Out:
2 h 36 min
